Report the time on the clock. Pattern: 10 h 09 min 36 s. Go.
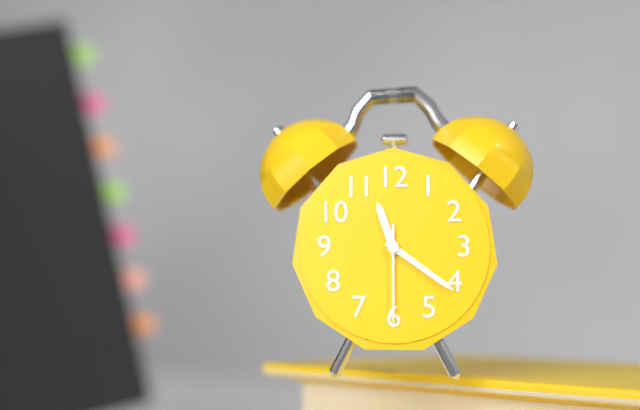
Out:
11 h 21 min 30 s
